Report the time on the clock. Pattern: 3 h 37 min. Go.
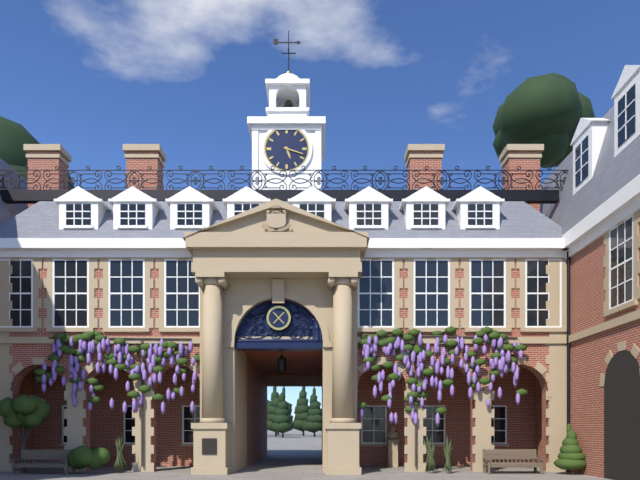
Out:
5 h 18 min
